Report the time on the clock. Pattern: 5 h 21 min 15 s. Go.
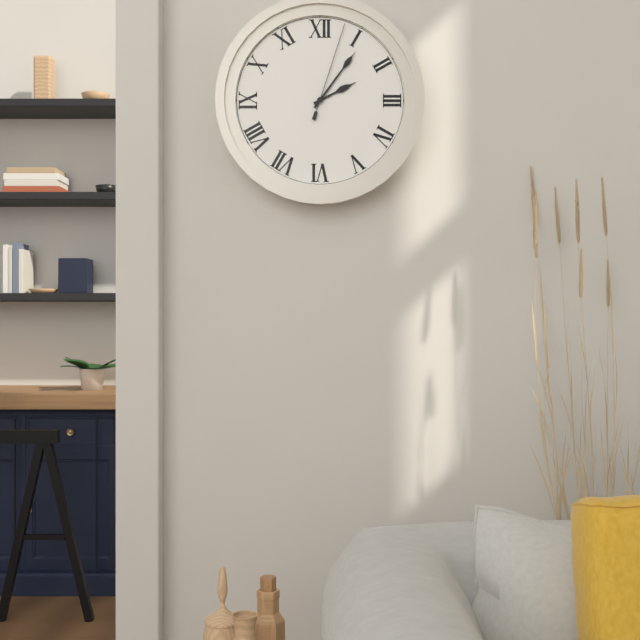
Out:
2 h 06 min 03 s
